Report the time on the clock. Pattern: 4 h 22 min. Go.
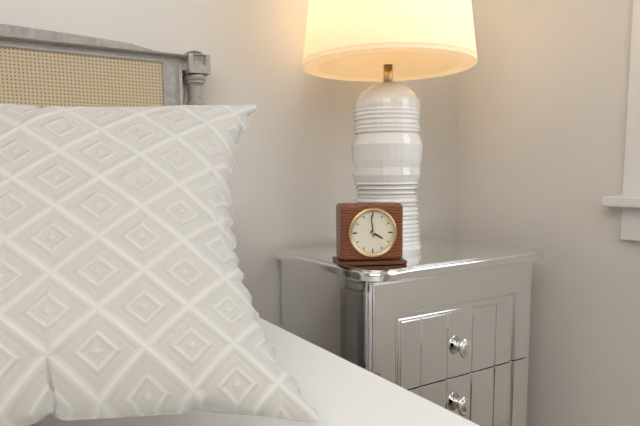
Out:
3 h 59 min
